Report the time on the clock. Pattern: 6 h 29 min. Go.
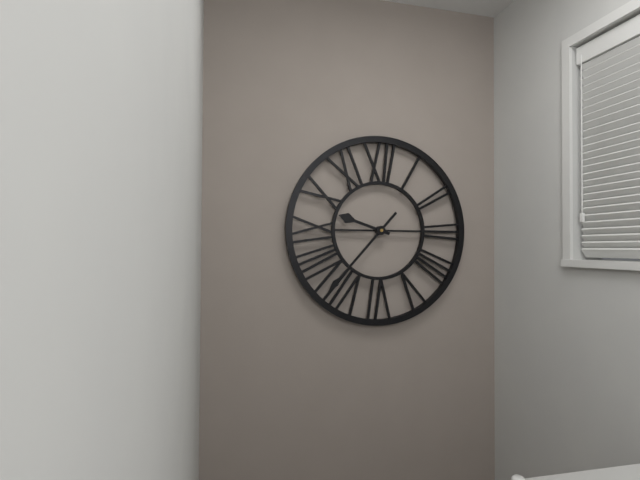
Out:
9 h 37 min
